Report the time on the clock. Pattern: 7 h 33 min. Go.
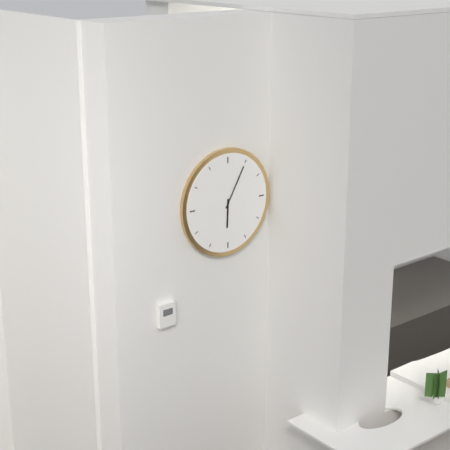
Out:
6 h 05 min
